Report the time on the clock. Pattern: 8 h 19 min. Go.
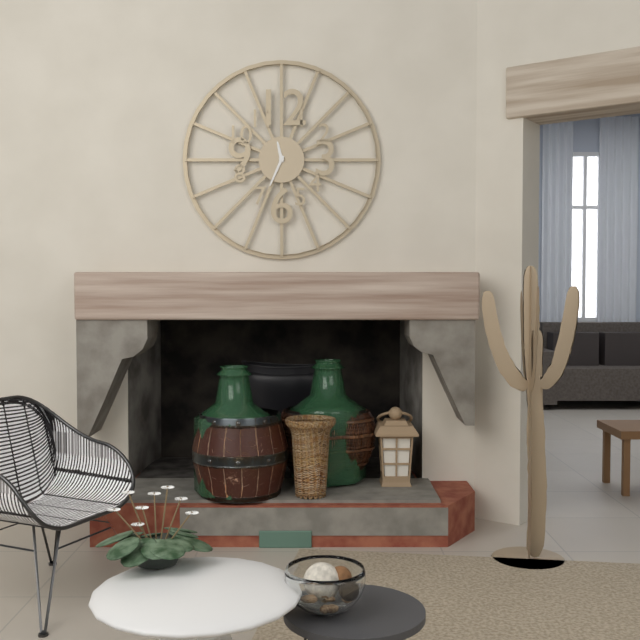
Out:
11 h 34 min
